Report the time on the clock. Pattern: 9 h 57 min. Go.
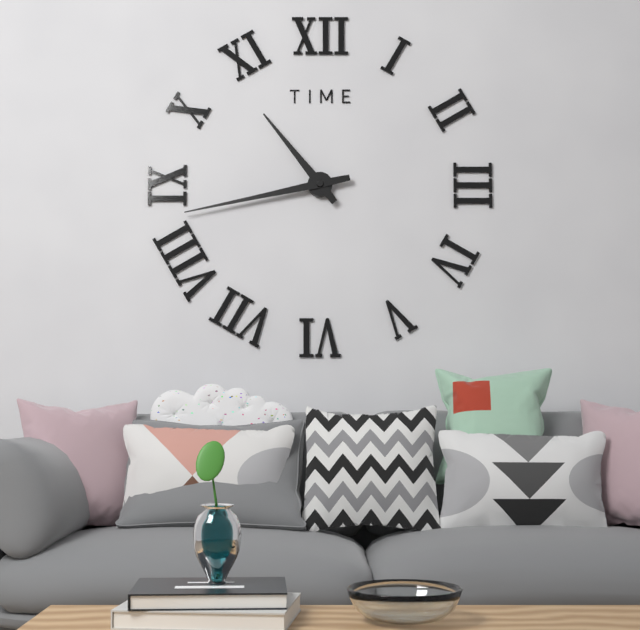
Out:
10 h 43 min
